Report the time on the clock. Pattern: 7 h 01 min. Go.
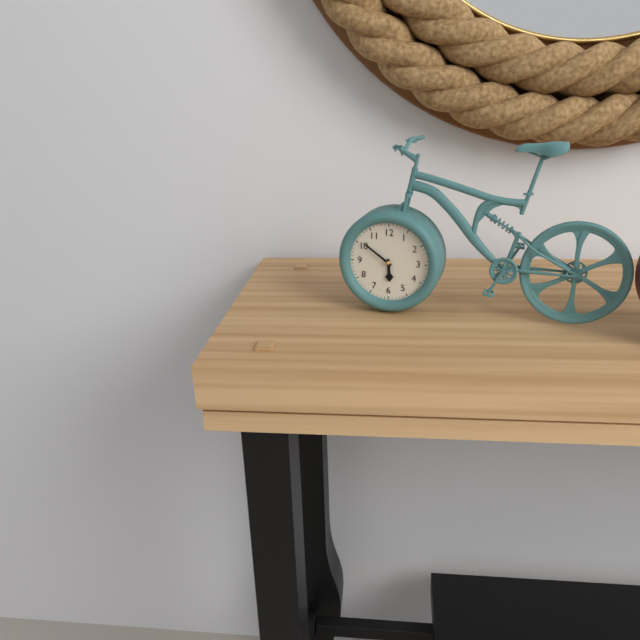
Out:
5 h 51 min
